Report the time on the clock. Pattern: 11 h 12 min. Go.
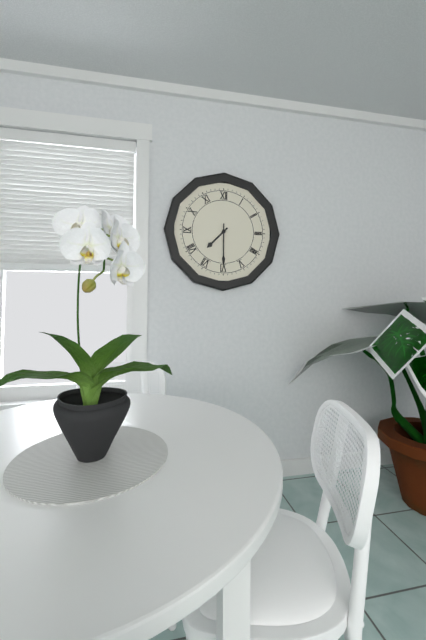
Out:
7 h 30 min
